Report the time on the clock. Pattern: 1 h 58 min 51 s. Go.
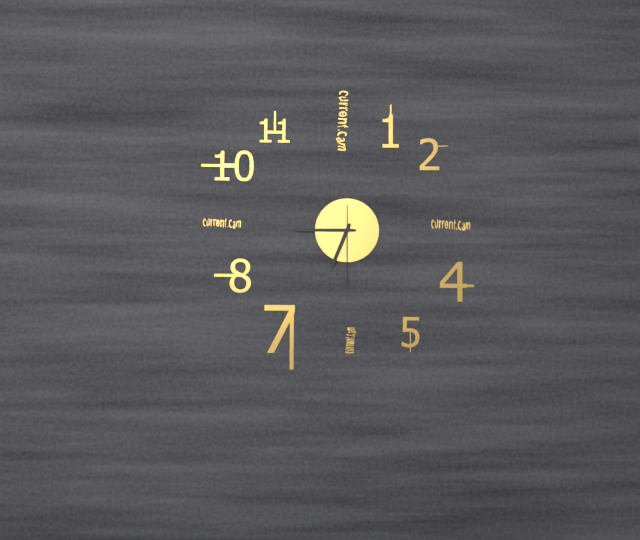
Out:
6 h 45 min 30 s
